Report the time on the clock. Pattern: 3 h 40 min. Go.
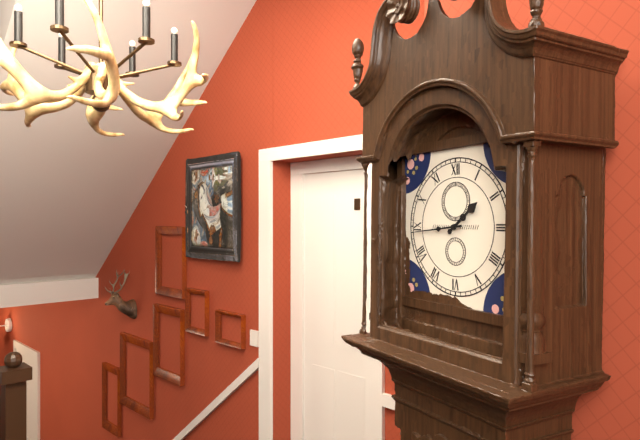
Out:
1 h 44 min
